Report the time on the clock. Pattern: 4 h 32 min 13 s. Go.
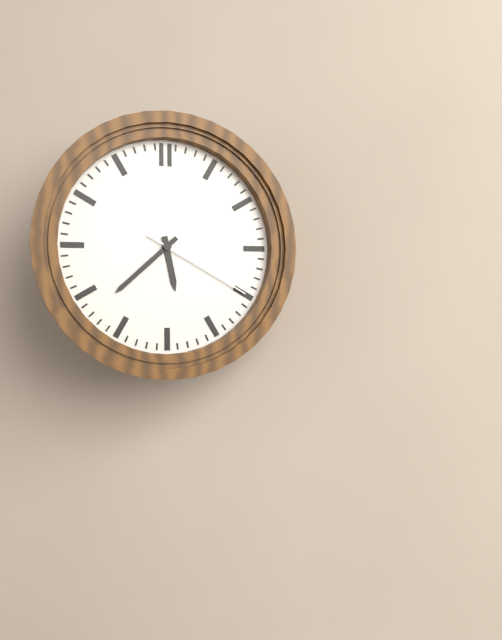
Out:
5 h 38 min 20 s
